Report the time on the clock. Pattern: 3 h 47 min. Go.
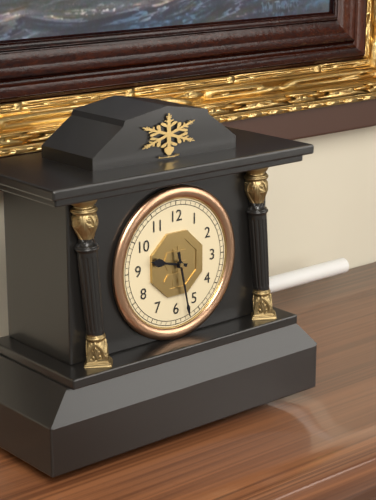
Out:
9 h 28 min
